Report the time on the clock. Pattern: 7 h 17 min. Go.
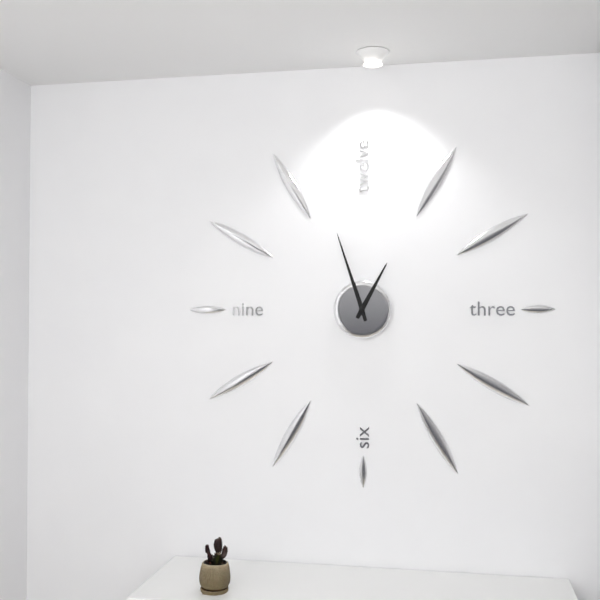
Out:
12 h 57 min
